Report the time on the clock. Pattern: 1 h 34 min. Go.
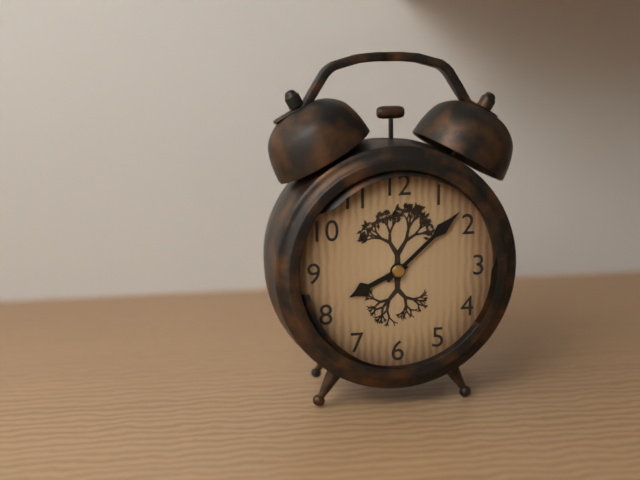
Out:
8 h 08 min
